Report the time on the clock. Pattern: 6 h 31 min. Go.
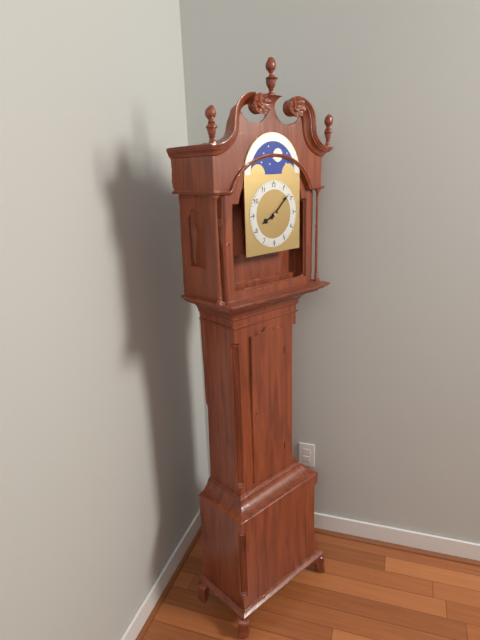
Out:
8 h 08 min
